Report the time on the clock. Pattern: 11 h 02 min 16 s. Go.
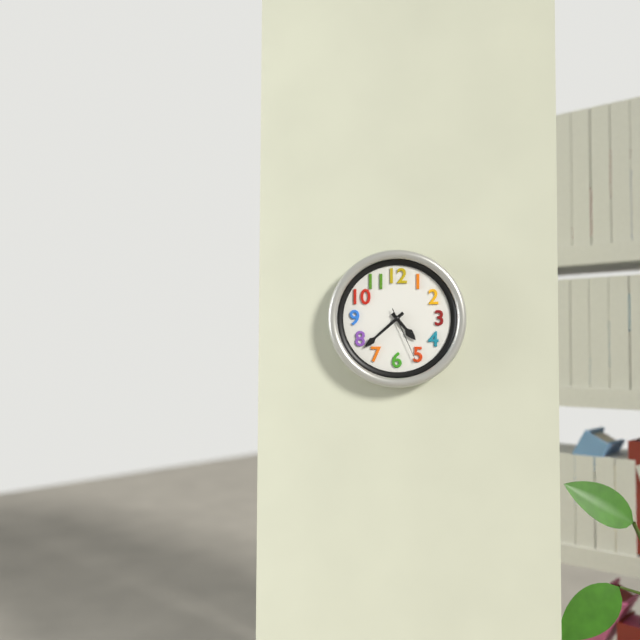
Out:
4 h 38 min 26 s
